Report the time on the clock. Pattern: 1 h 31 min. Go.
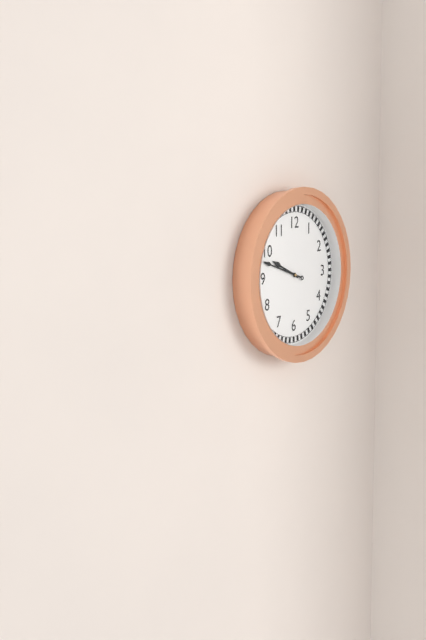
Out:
9 h 48 min
